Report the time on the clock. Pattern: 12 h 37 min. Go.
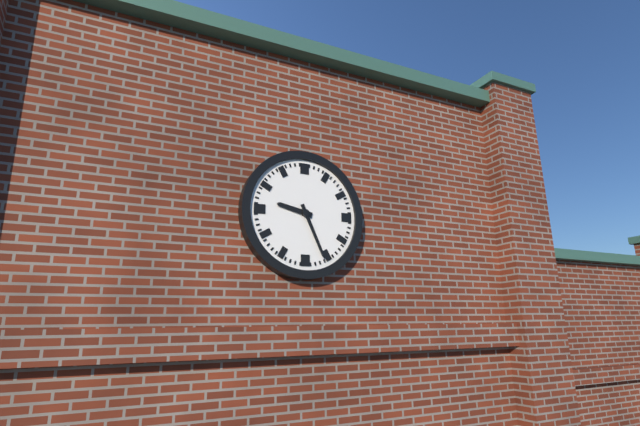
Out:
9 h 26 min
